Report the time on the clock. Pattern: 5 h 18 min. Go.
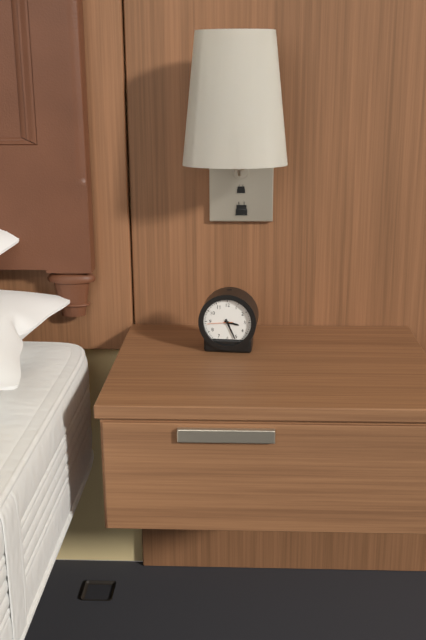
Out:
3 h 26 min
